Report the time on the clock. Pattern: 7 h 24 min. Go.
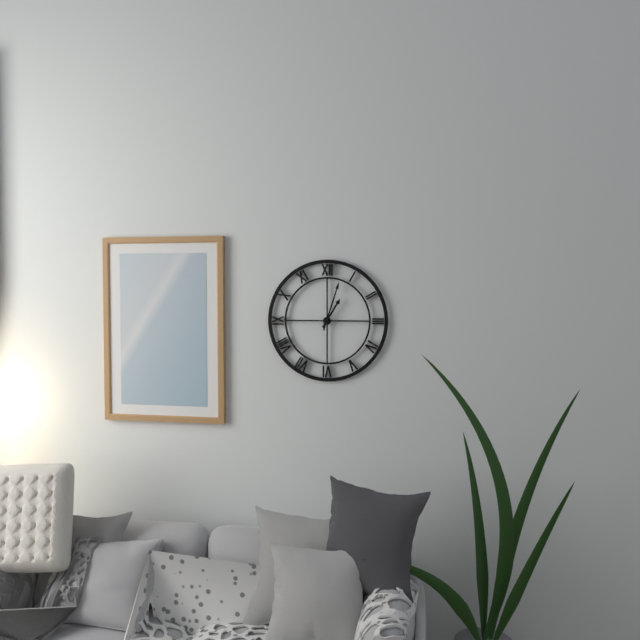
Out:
1 h 03 min
